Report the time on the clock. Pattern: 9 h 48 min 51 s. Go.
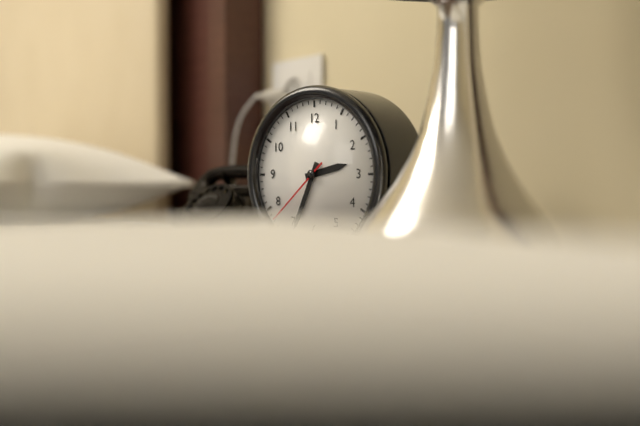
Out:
2 h 34 min 38 s
